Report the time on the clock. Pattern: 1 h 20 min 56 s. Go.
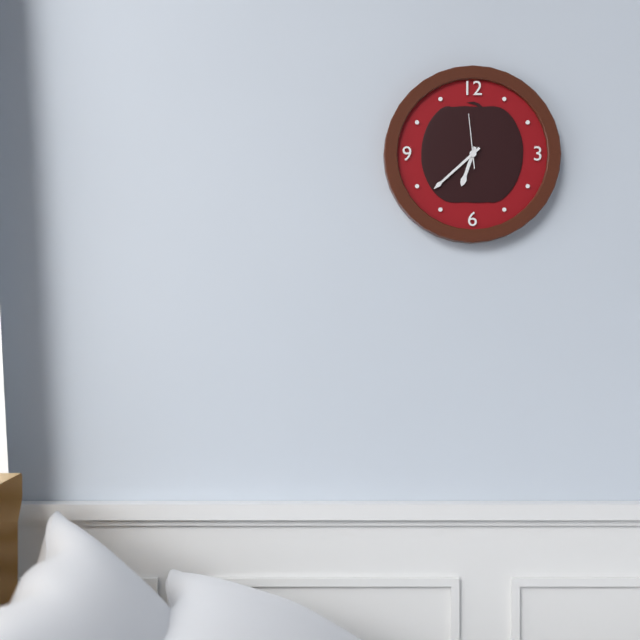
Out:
6 h 38 min 59 s
